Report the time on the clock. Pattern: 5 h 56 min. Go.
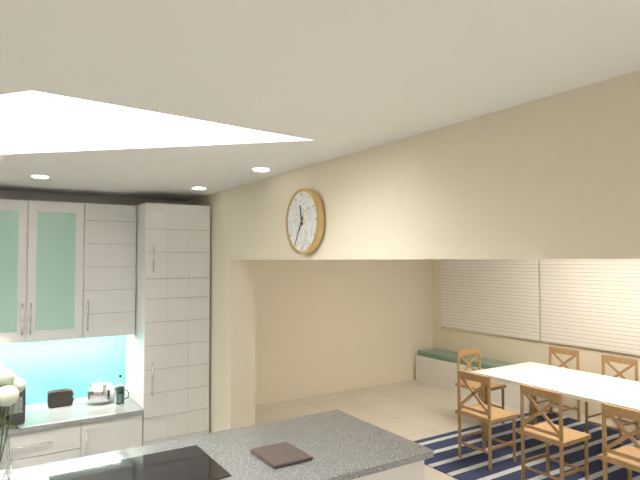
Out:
11 h 35 min
